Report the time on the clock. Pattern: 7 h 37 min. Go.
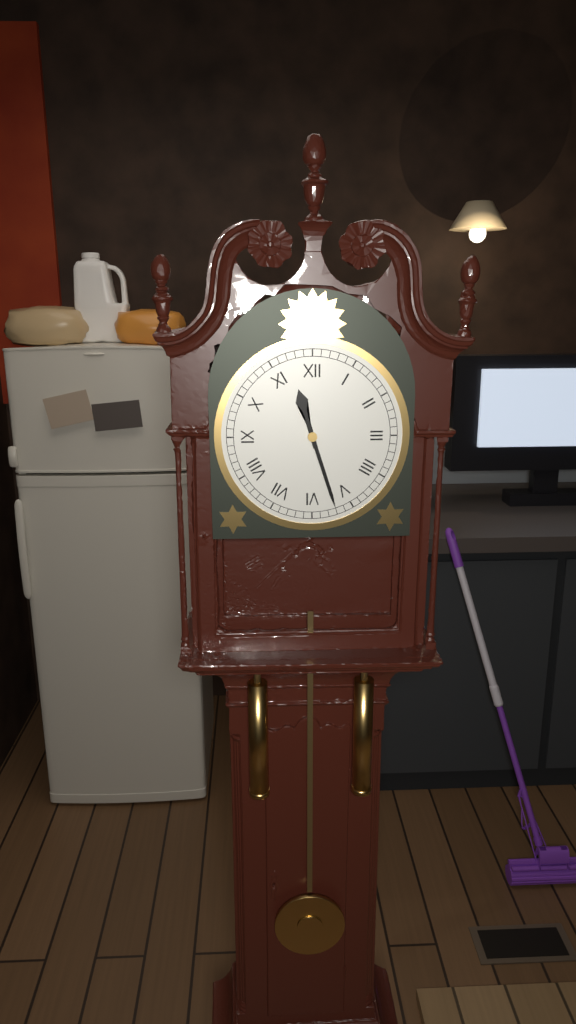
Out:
11 h 27 min
